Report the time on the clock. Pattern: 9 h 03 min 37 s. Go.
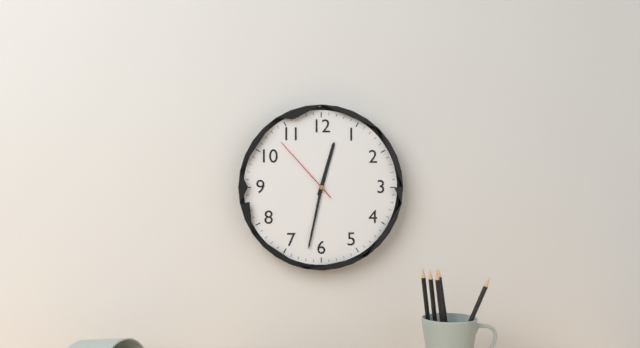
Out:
12 h 32 min 53 s
